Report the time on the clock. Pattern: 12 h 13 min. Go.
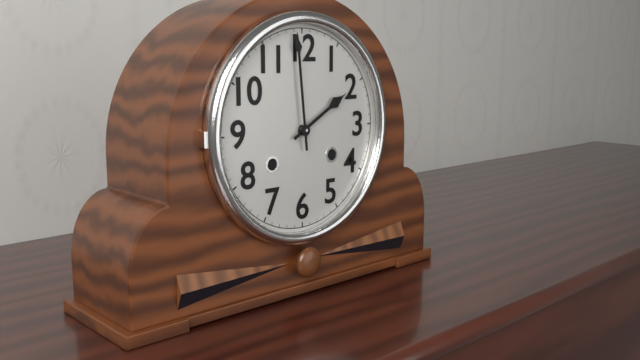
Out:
1 h 59 min
